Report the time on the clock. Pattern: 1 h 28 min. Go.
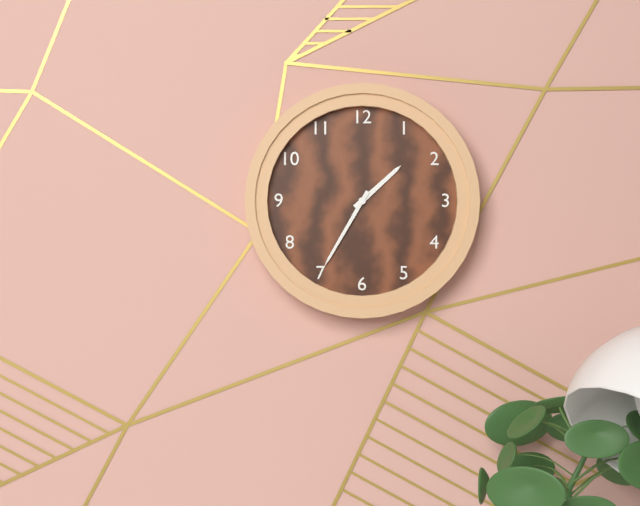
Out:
1 h 35 min
